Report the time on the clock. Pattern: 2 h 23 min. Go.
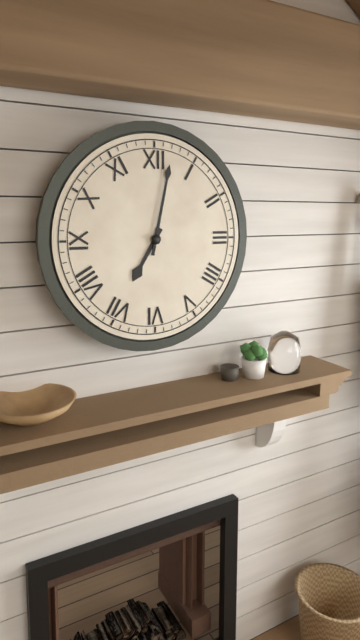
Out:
7 h 02 min
